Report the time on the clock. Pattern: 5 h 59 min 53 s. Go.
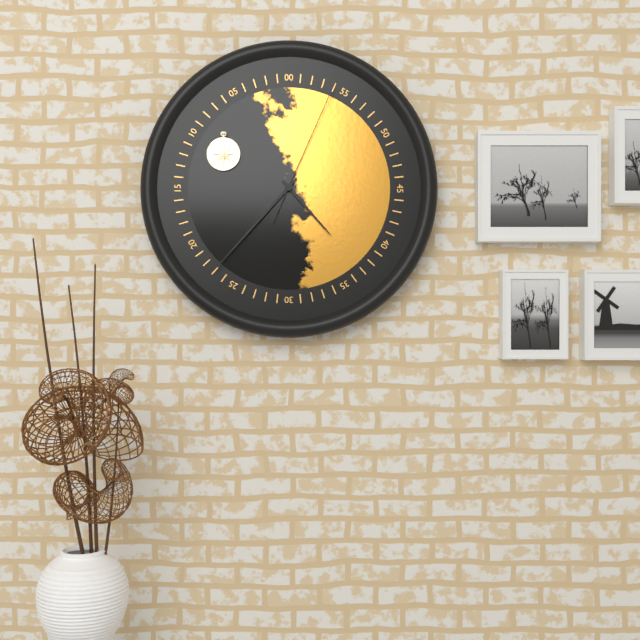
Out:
4 h 37 min 04 s
